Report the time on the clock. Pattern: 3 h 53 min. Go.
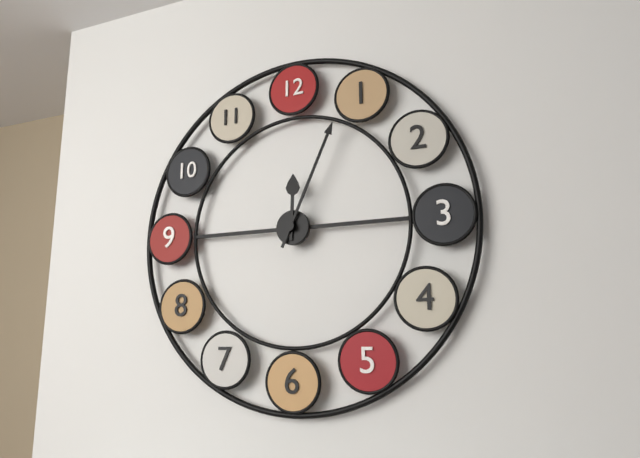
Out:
12 h 04 min
